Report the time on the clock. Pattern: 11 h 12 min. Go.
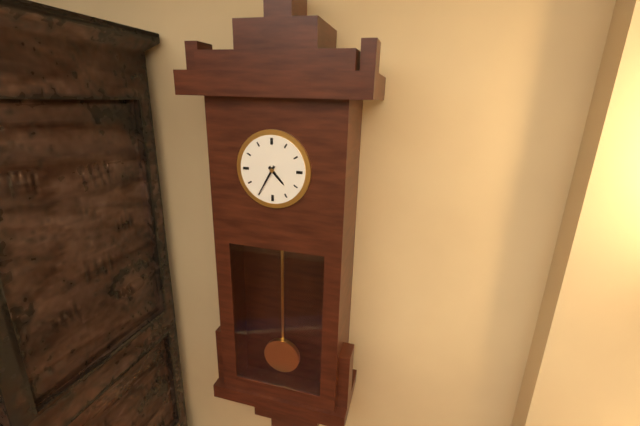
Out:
4 h 35 min
